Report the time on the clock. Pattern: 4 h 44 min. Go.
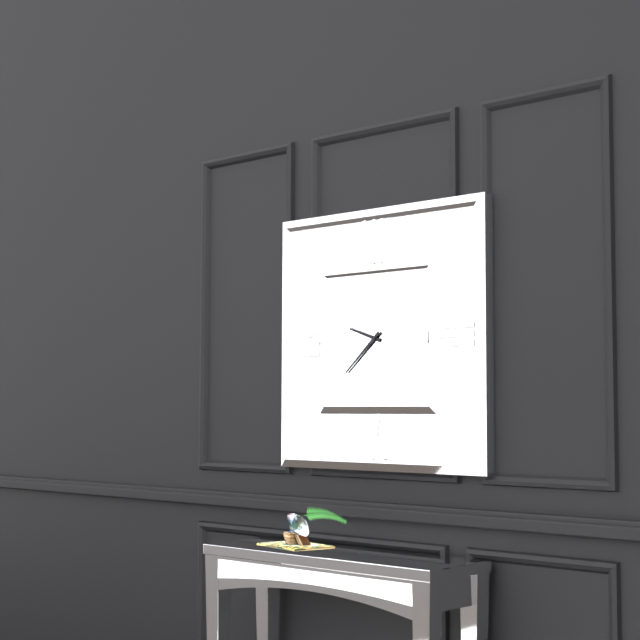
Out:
9 h 38 min
